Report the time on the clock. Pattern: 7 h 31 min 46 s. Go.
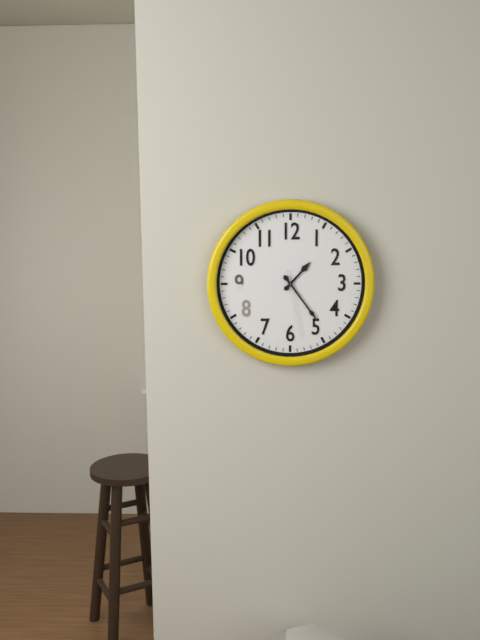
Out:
1 h 24 min 28 s
